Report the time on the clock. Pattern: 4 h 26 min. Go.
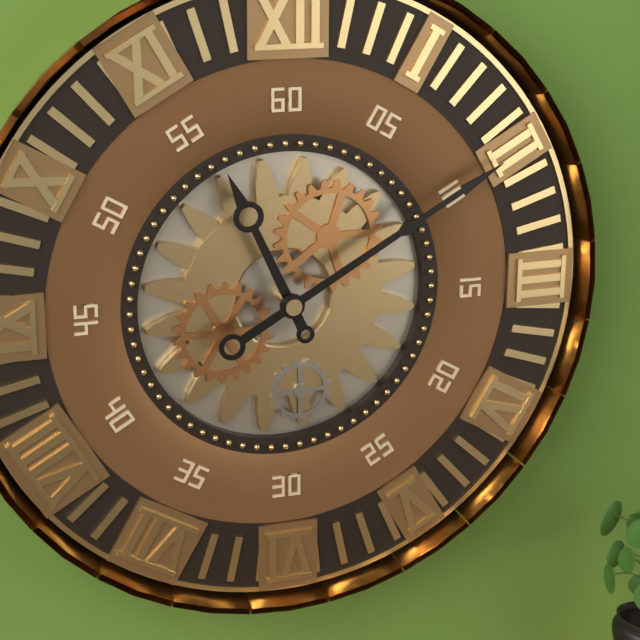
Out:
11 h 10 min
